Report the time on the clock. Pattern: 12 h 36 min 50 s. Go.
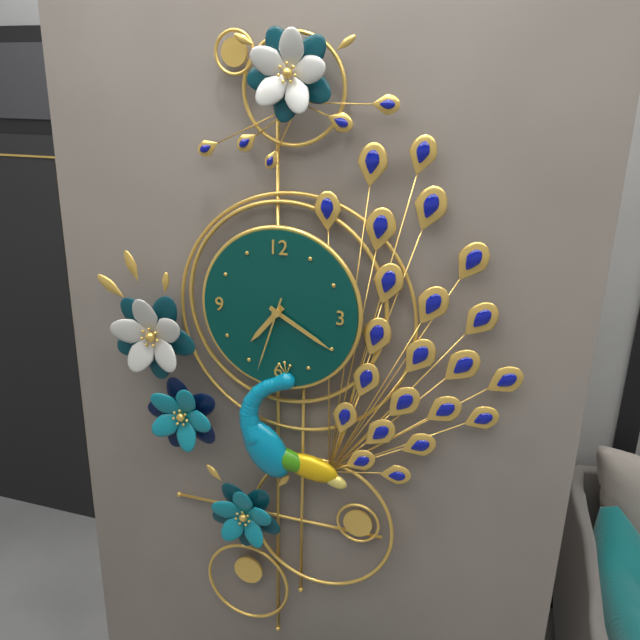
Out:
7 h 20 min 33 s
